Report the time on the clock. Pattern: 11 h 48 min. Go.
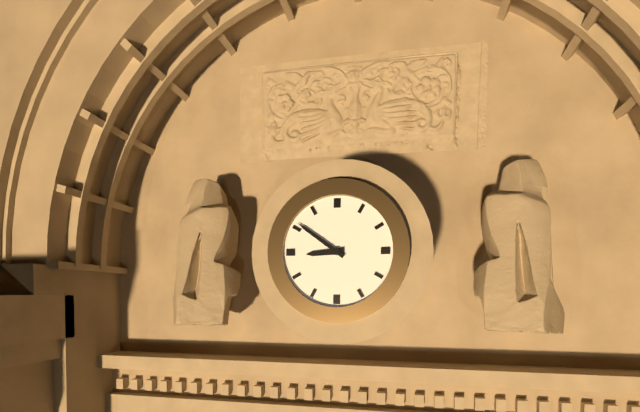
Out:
8 h 51 min
